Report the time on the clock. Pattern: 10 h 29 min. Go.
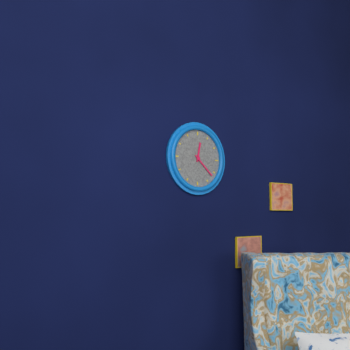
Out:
12 h 22 min
